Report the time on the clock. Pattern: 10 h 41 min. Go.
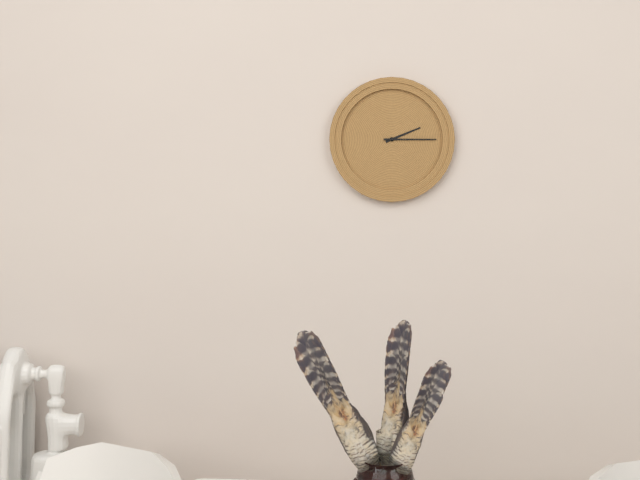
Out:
2 h 15 min
